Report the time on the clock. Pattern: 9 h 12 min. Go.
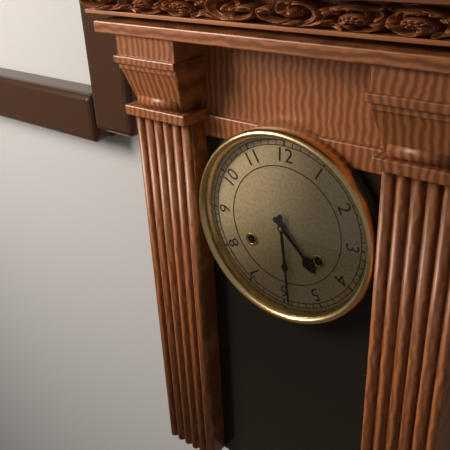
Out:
4 h 29 min
